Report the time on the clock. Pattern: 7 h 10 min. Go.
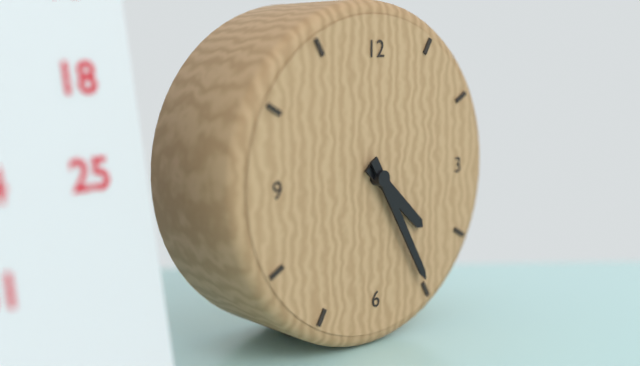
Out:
4 h 25 min
